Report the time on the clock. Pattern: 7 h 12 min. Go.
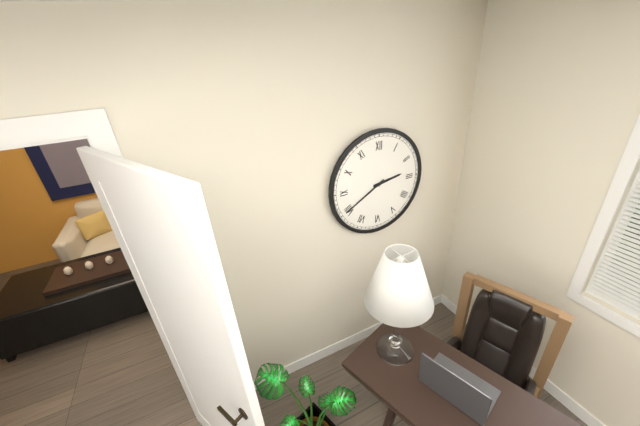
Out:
2 h 40 min
